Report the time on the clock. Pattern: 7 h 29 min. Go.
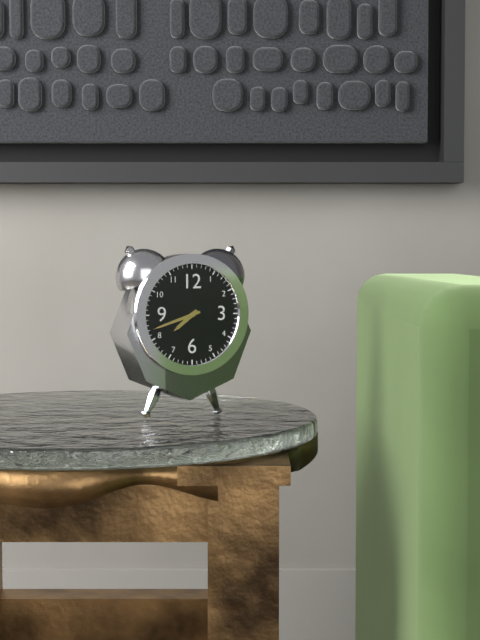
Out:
7 h 42 min
